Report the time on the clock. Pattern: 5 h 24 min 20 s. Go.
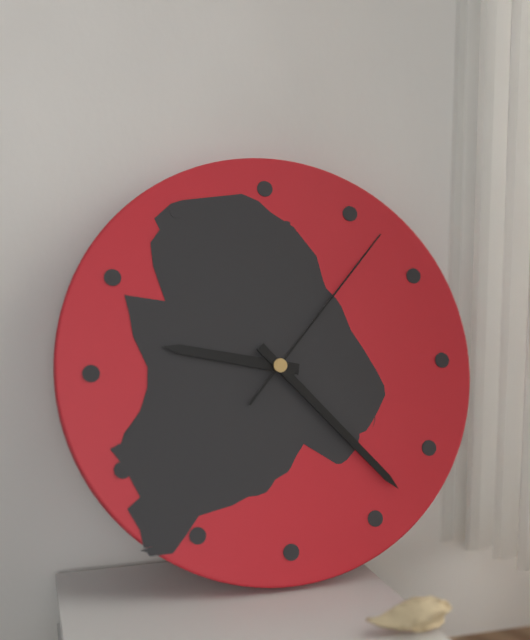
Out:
9 h 23 min 07 s
